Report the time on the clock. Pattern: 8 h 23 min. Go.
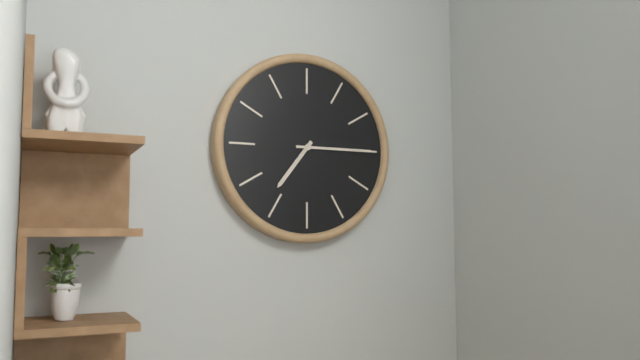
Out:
7 h 15 min
